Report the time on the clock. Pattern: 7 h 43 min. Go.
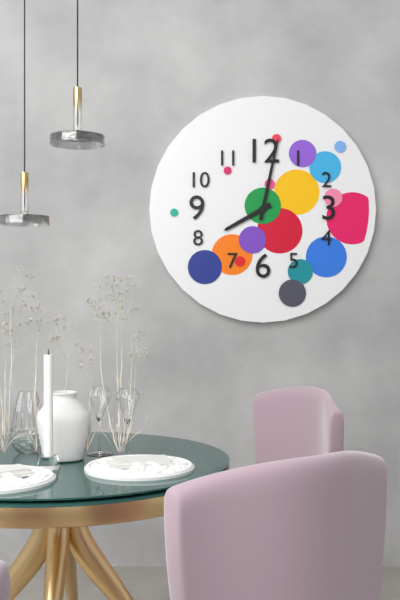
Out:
8 h 02 min
